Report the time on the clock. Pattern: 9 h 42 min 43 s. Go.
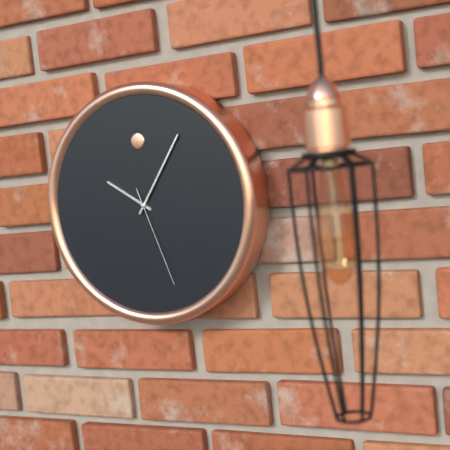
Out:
10 h 06 min 27 s
